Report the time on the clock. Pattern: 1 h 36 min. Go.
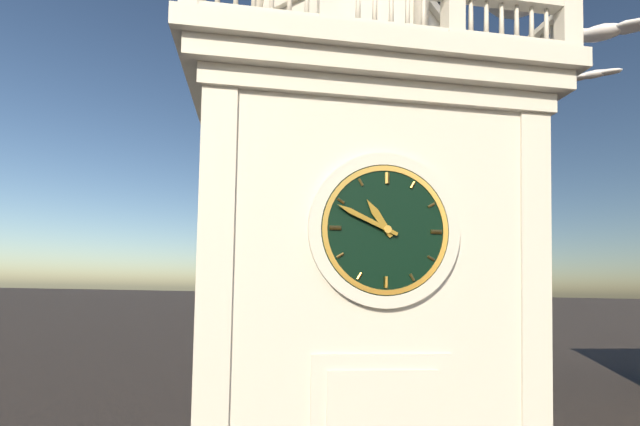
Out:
10 h 49 min
